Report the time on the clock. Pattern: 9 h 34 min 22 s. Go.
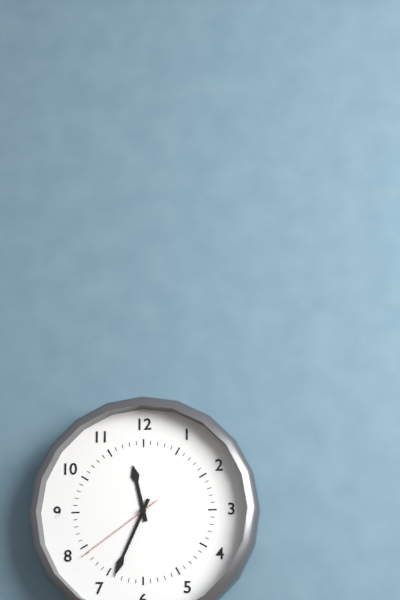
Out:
11 h 34 min 39 s
